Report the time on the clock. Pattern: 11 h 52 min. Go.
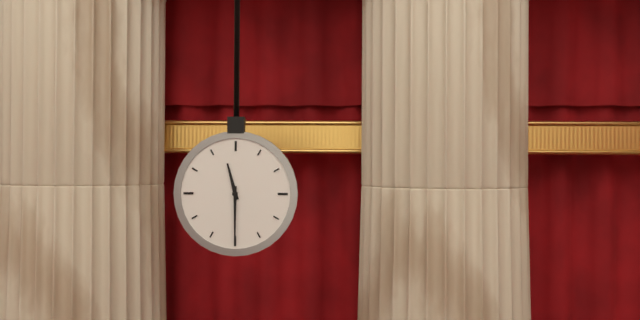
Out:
11 h 30 min
